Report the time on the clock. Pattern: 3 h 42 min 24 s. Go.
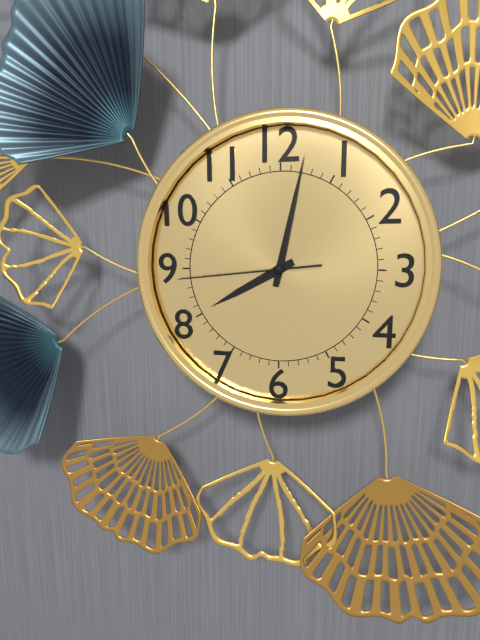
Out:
8 h 02 min 44 s
